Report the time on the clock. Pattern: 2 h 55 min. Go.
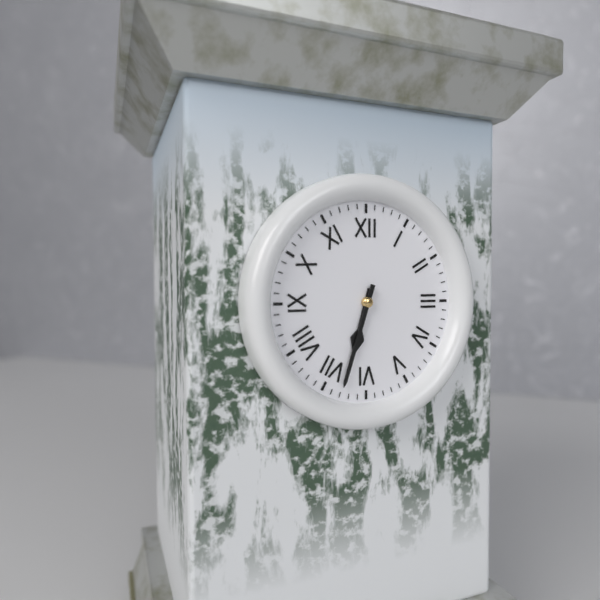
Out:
6 h 33 min
